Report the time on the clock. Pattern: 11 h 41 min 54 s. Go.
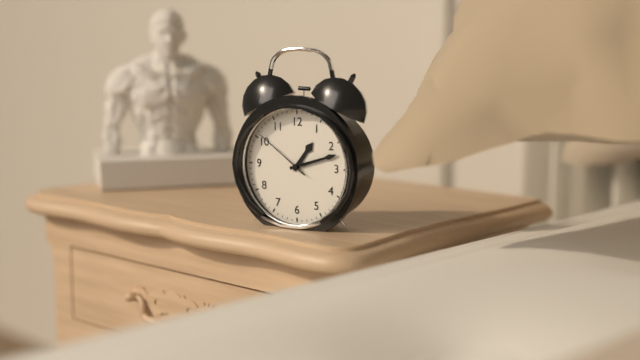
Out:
1 h 12 min 51 s
